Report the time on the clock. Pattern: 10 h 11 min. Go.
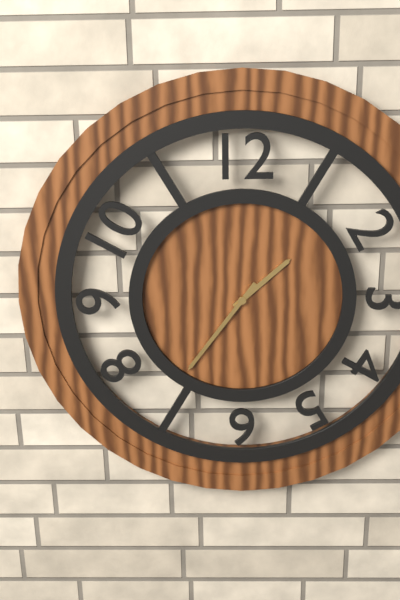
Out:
1 h 36 min
